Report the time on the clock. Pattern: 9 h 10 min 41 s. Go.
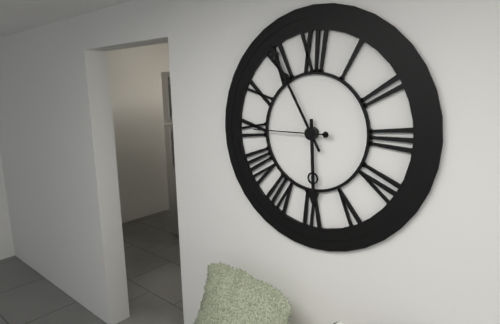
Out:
5 h 55 min 45 s
